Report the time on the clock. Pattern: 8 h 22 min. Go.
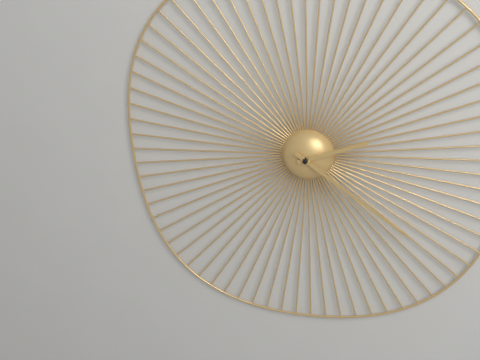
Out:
2 h 21 min
